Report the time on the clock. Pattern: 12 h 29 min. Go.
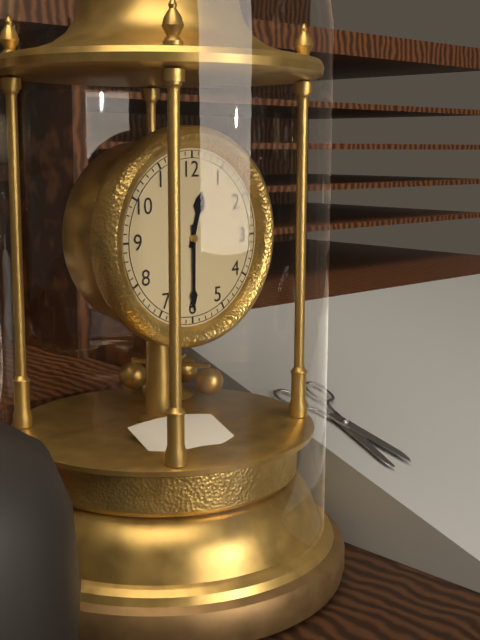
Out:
12 h 30 min
